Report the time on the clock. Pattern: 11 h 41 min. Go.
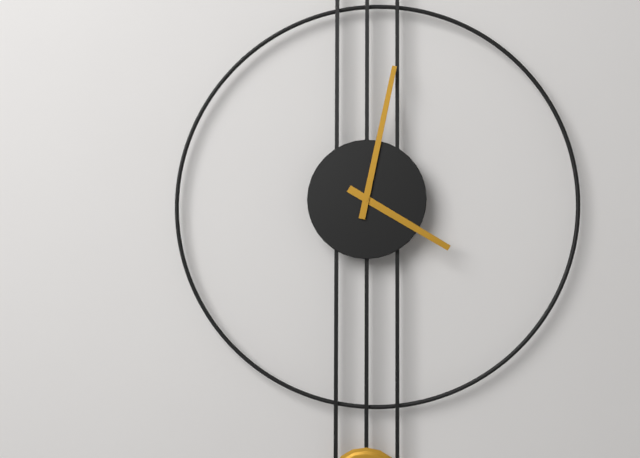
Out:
4 h 02 min
